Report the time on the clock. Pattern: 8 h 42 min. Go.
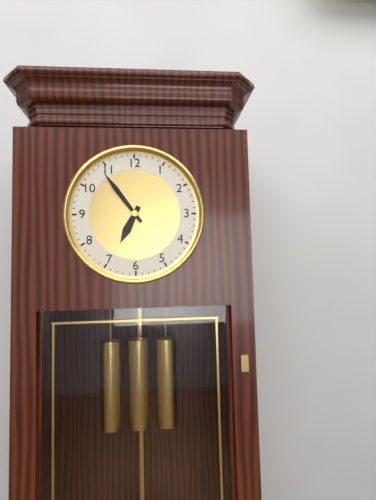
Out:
6 h 54 min
